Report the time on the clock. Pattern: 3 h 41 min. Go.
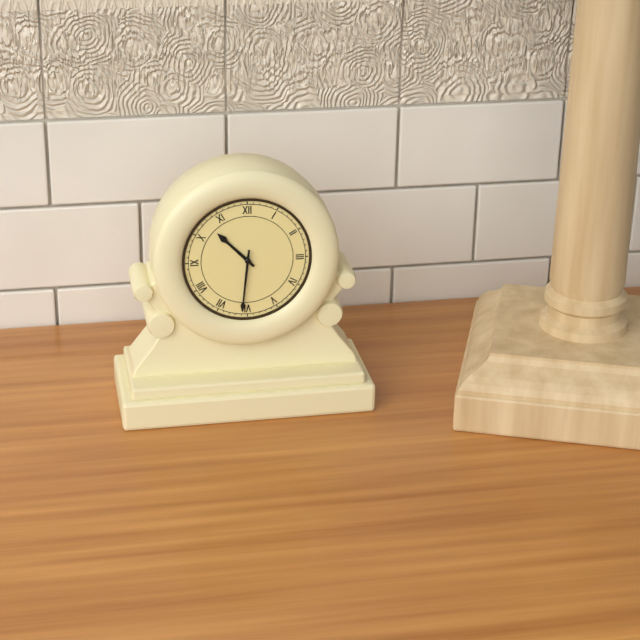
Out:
10 h 31 min
